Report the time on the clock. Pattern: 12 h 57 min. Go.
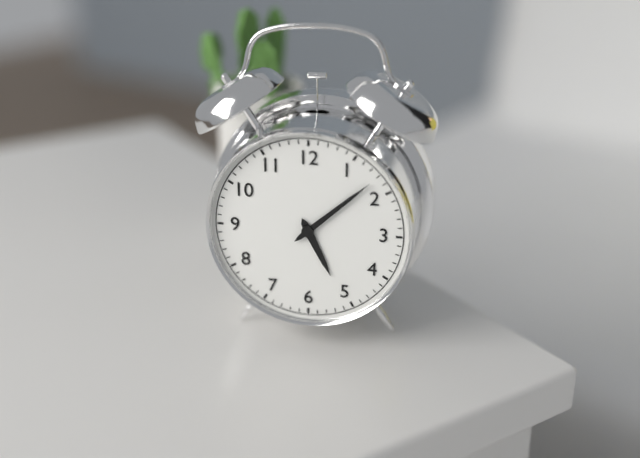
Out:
5 h 08 min
